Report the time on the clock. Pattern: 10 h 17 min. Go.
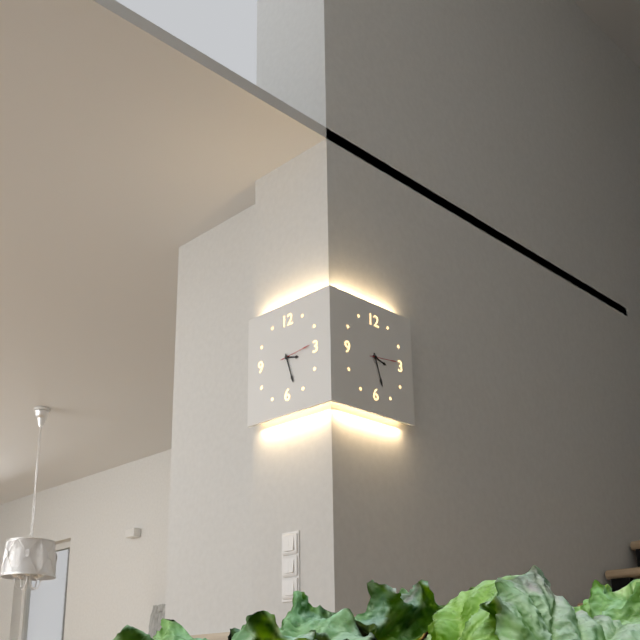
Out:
3 h 27 min
